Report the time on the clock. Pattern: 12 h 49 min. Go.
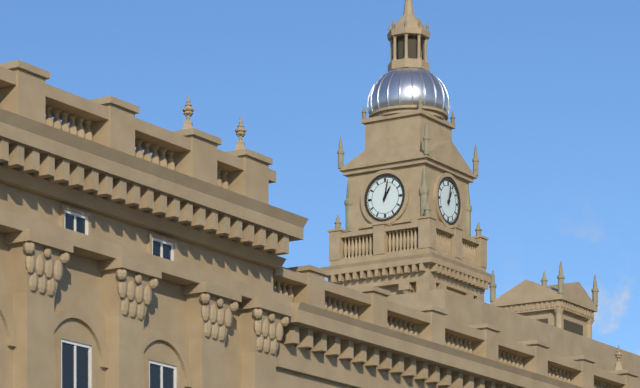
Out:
1 h 02 min
